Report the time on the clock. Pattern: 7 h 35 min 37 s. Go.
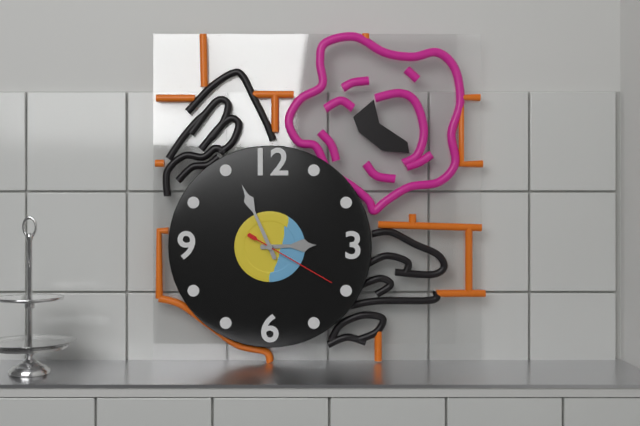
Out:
2 h 56 min 20 s
